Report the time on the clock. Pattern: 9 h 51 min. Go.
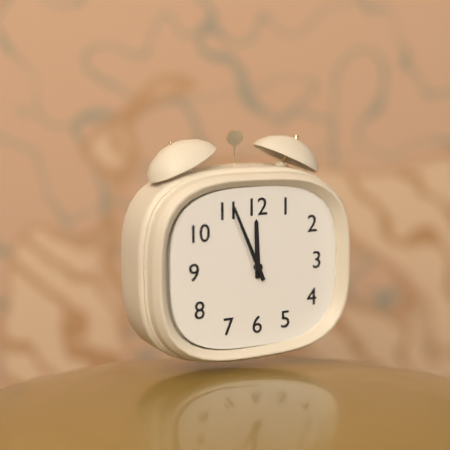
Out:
11 h 56 min
